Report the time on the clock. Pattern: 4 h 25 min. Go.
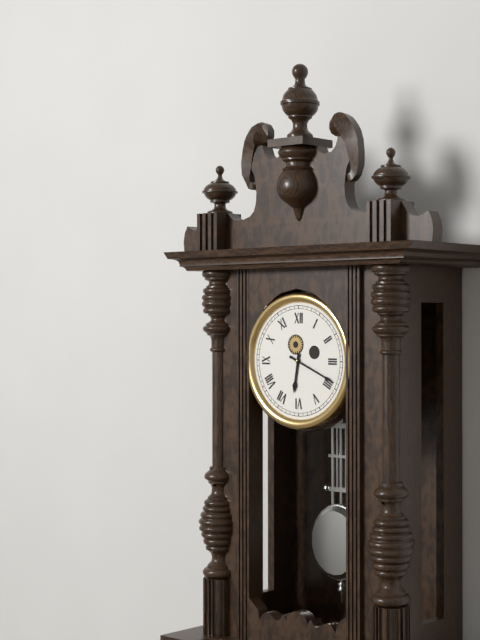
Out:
6 h 19 min
